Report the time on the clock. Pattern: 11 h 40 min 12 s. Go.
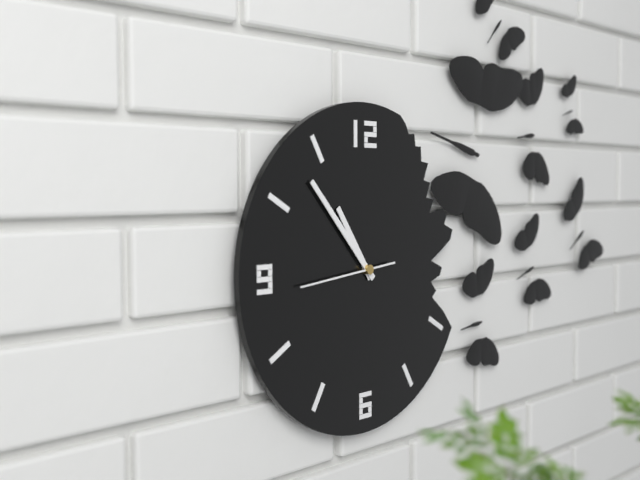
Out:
10 h 53 min 44 s
